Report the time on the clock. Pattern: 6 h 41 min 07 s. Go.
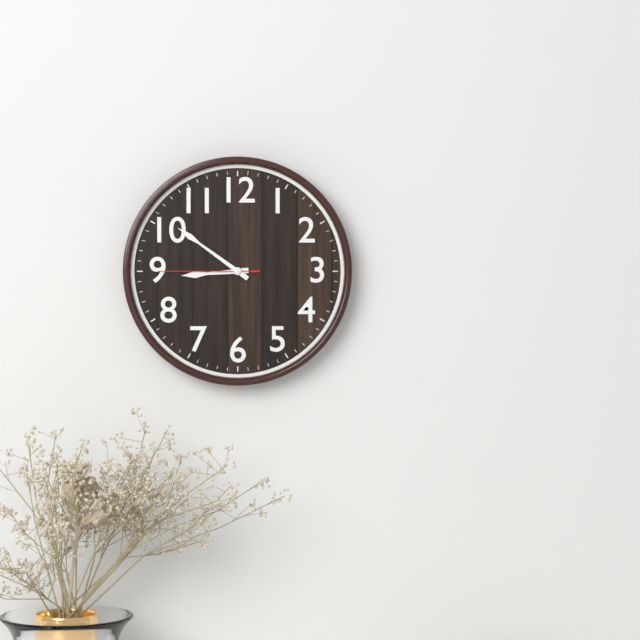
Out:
8 h 51 min 45 s
